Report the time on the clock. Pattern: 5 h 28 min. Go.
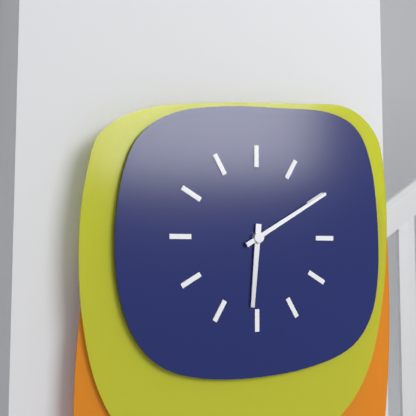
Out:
6 h 10 min
